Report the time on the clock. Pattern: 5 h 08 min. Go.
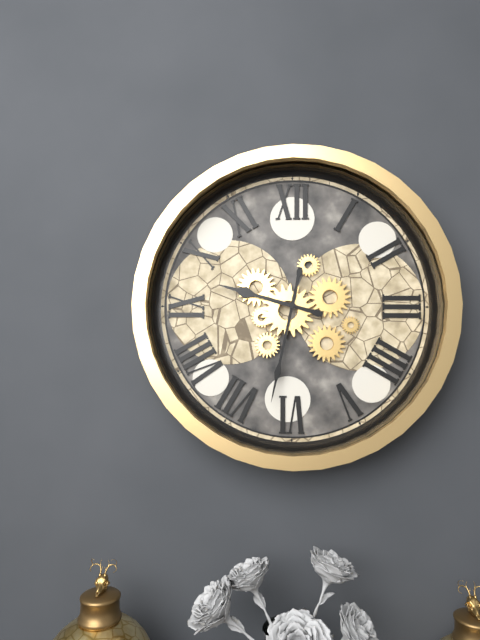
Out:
9 h 32 min
